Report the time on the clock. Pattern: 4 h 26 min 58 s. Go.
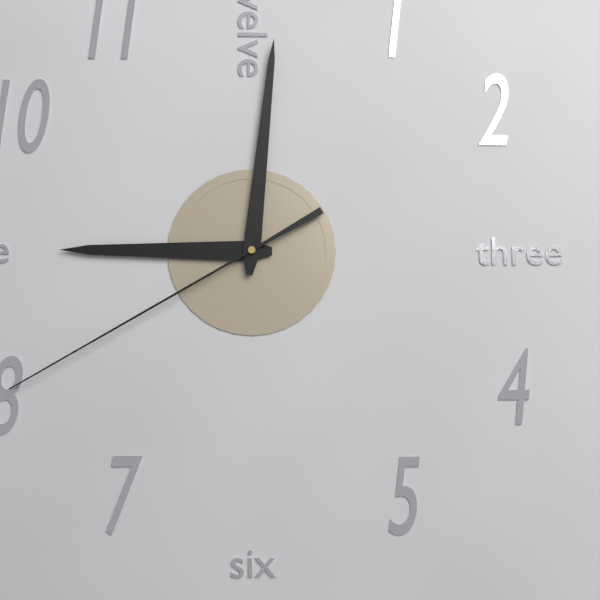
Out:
9 h 01 min 40 s
